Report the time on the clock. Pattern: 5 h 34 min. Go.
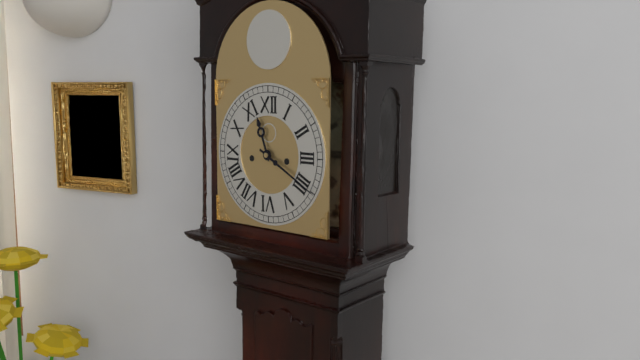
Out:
11 h 20 min
